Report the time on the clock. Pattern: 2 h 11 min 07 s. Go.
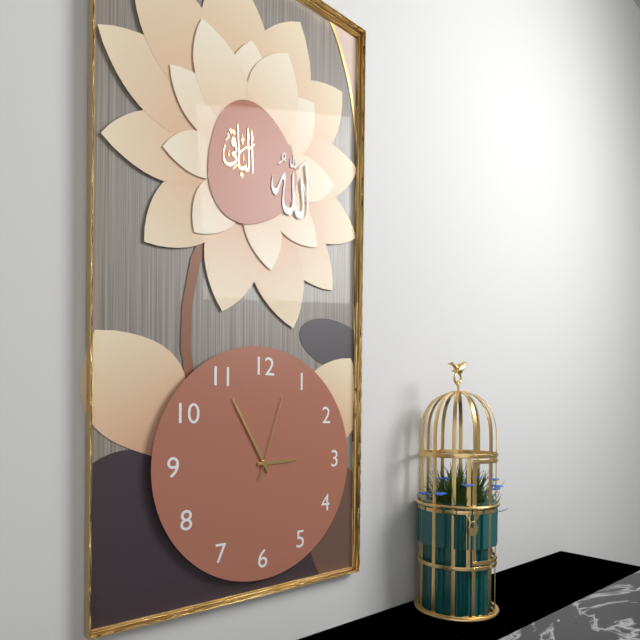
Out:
2 h 55 min 03 s
